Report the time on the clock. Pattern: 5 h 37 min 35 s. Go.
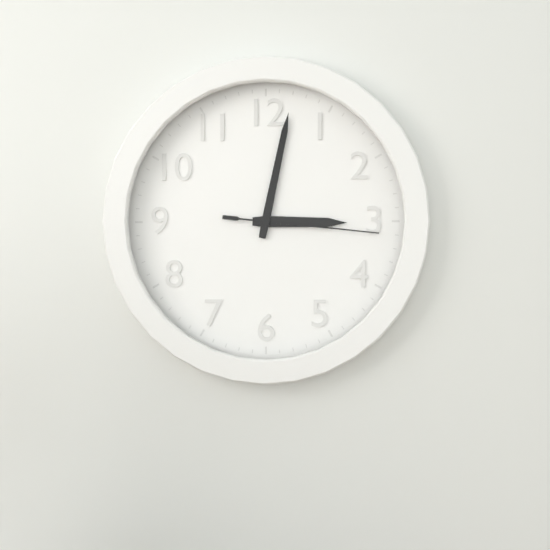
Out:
3 h 02 min 16 s
